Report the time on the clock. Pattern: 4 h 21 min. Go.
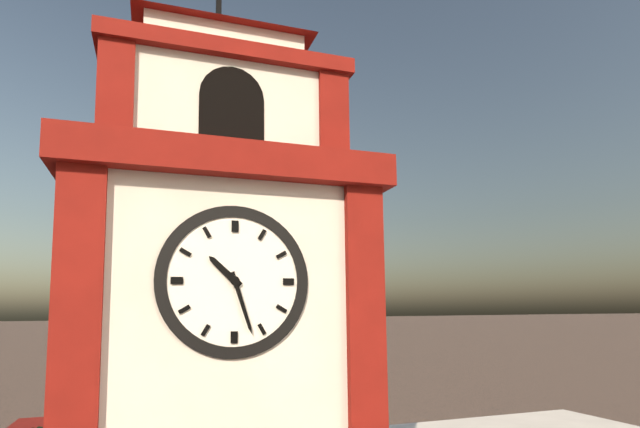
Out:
10 h 27 min
